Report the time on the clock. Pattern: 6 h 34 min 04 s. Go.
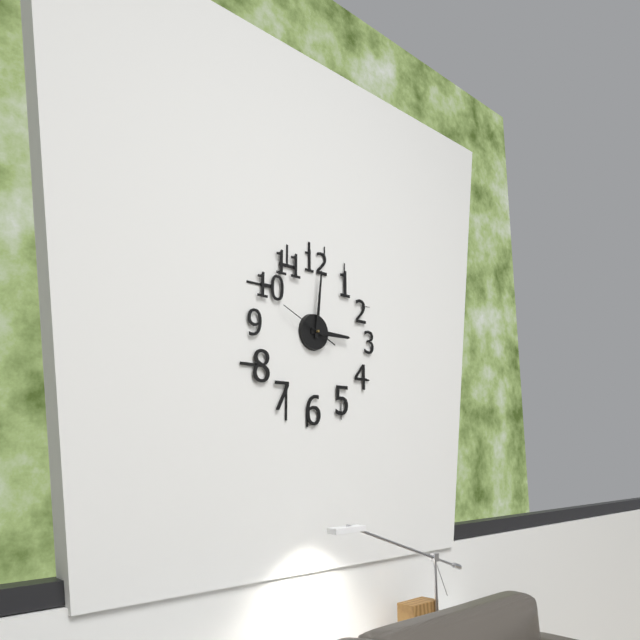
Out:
3 h 01 min 49 s
